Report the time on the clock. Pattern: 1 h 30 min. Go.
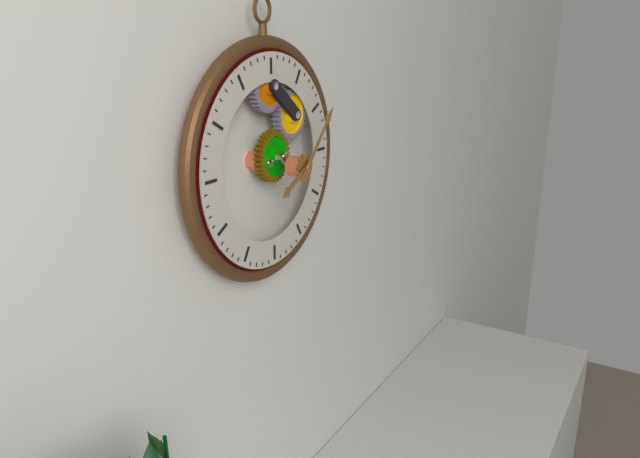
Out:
8 h 07 min
